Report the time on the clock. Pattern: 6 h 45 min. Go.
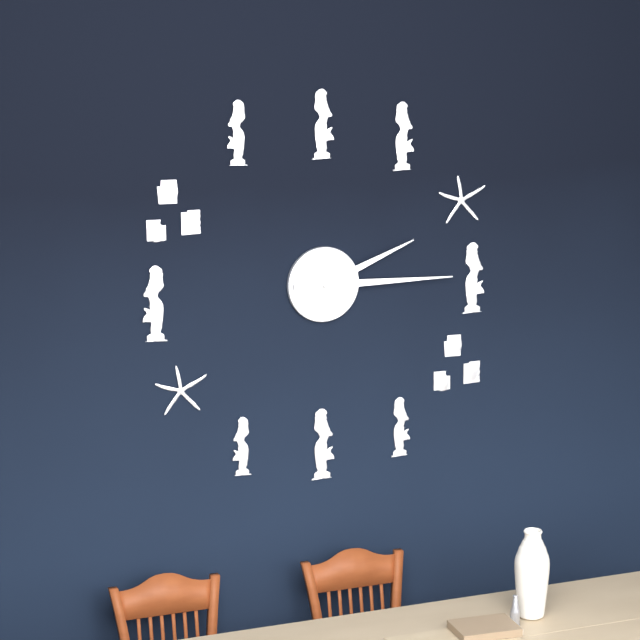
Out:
2 h 15 min
